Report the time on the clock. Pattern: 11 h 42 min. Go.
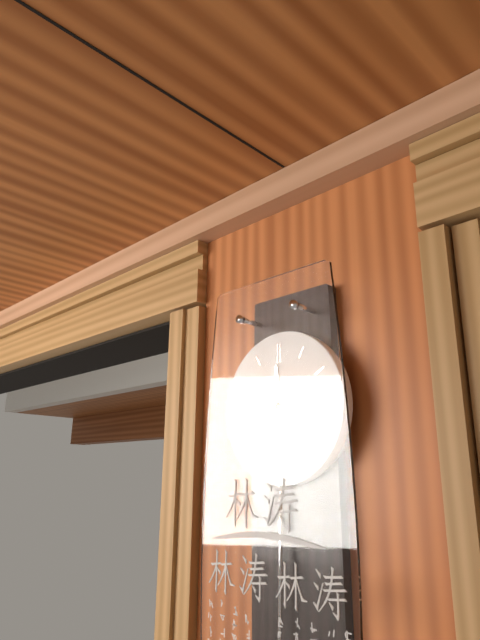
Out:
11 h 50 min
